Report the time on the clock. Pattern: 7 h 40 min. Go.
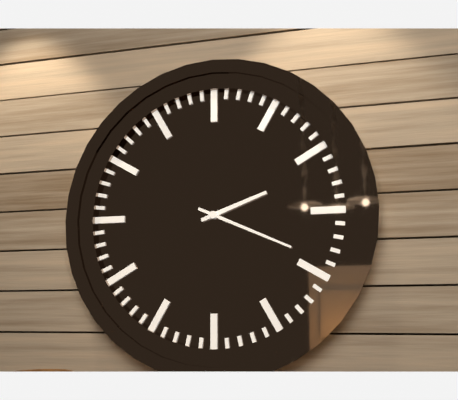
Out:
2 h 19 min
